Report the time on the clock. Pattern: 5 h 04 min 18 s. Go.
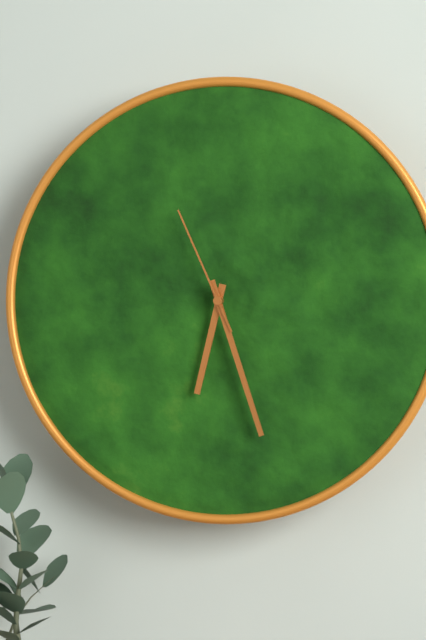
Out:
6 h 27 min 56 s
